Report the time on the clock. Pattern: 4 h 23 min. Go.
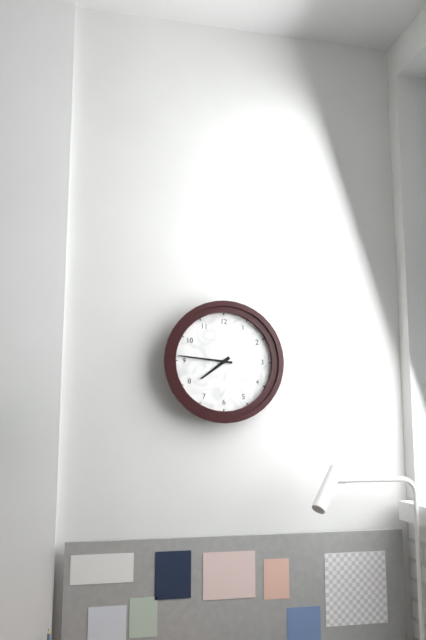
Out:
7 h 46 min
